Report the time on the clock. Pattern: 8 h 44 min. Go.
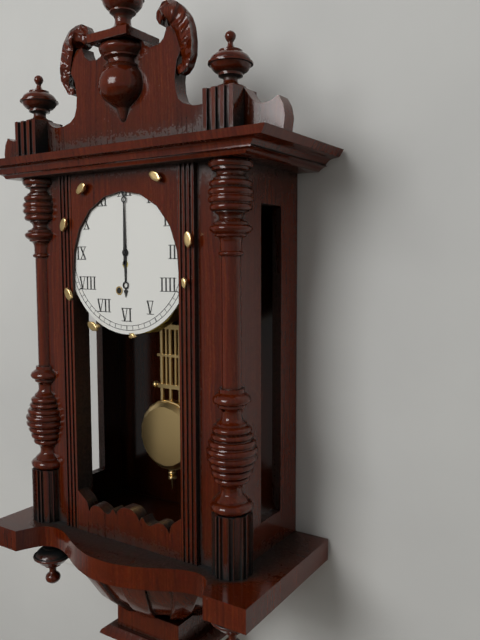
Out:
6 h 00 min
